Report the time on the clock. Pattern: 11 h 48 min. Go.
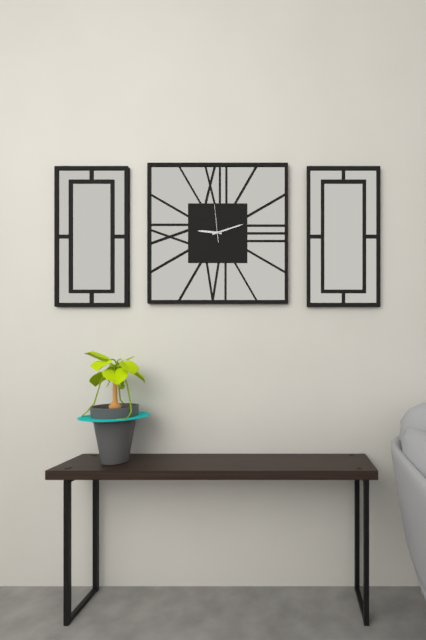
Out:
9 h 12 min
